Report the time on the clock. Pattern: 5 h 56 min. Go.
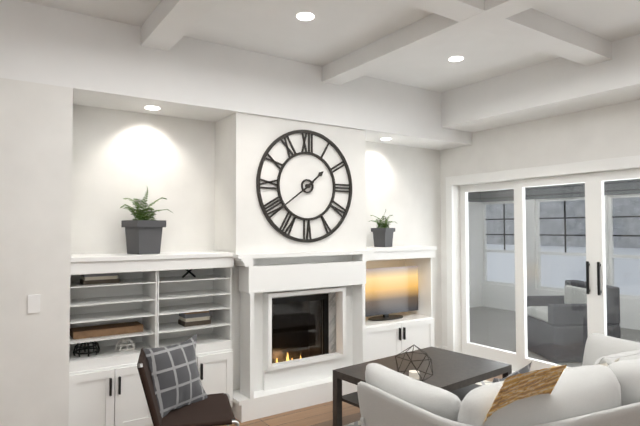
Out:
1 h 39 min
